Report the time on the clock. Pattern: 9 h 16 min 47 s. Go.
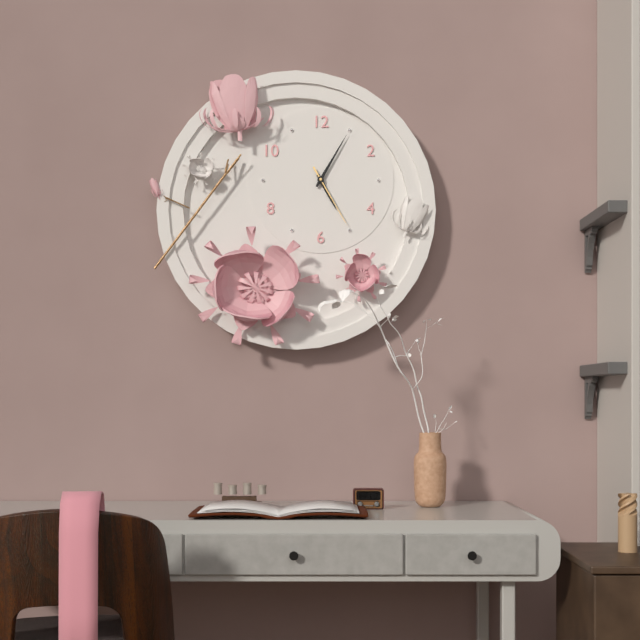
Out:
5 h 05 min 25 s
